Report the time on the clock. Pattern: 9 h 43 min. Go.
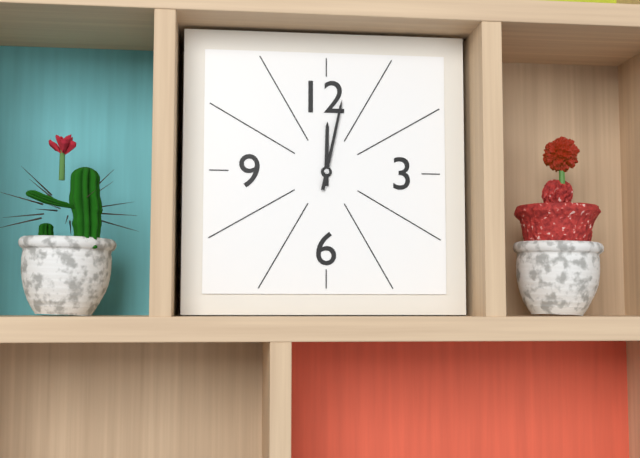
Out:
12 h 02 min
